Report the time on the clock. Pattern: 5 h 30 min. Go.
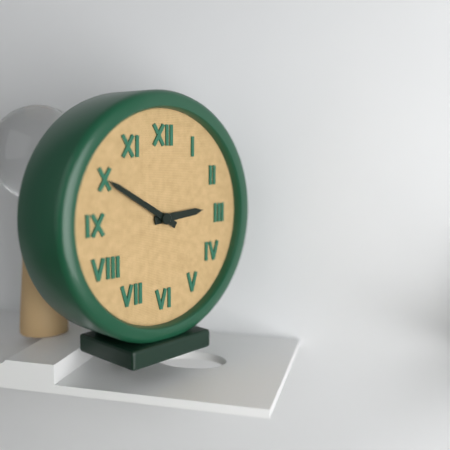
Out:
2 h 50 min
